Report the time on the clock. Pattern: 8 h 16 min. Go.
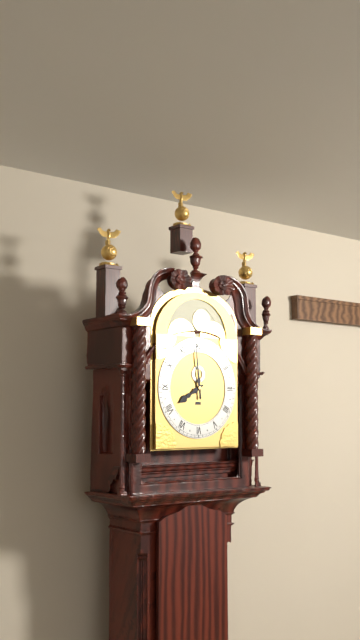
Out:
7 h 59 min
